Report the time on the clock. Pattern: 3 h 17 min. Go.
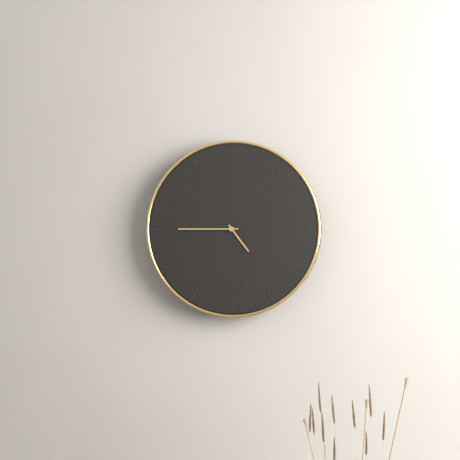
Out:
4 h 45 min
